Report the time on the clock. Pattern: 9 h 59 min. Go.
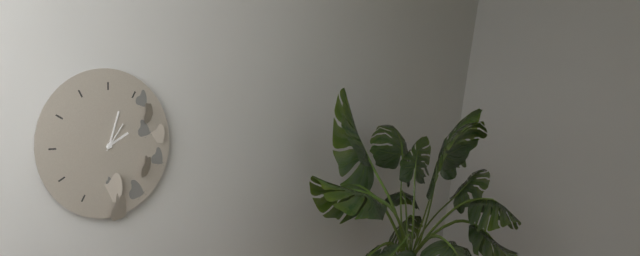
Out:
2 h 03 min
